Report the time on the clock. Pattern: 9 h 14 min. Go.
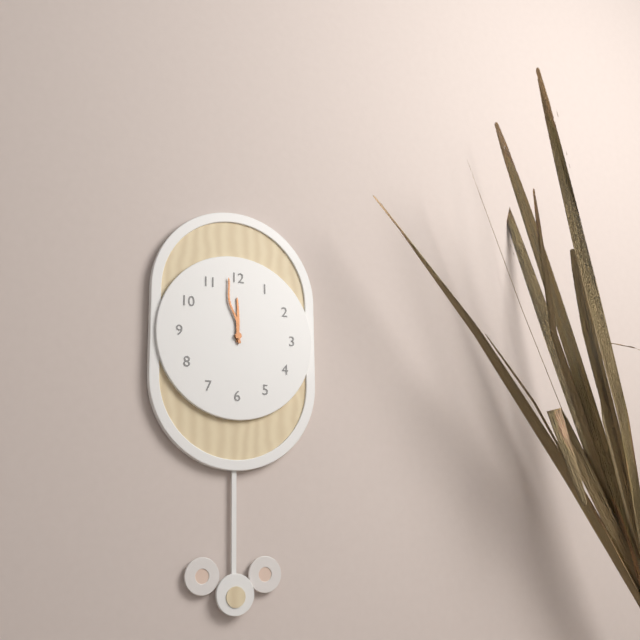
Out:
11 h 58 min
